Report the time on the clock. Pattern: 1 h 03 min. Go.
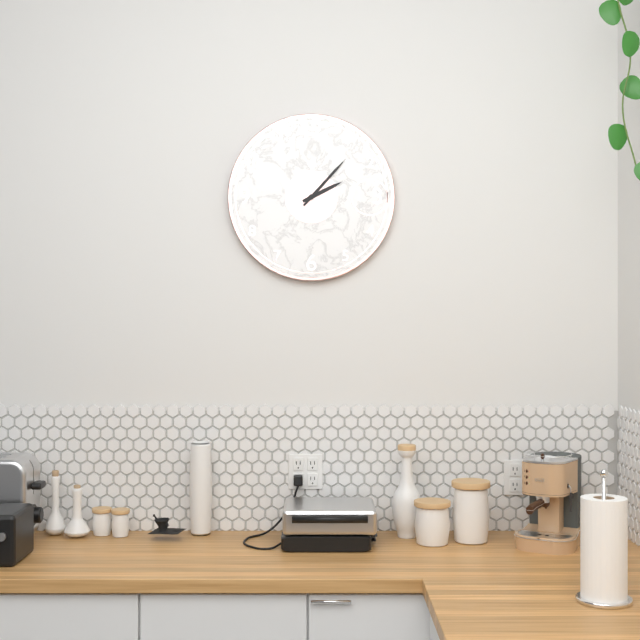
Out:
2 h 07 min
